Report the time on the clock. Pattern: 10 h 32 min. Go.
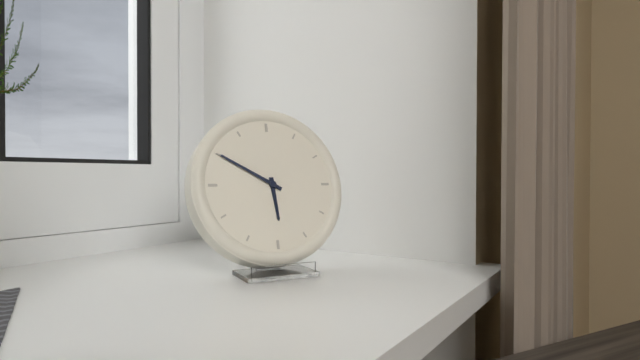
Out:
5 h 50 min
